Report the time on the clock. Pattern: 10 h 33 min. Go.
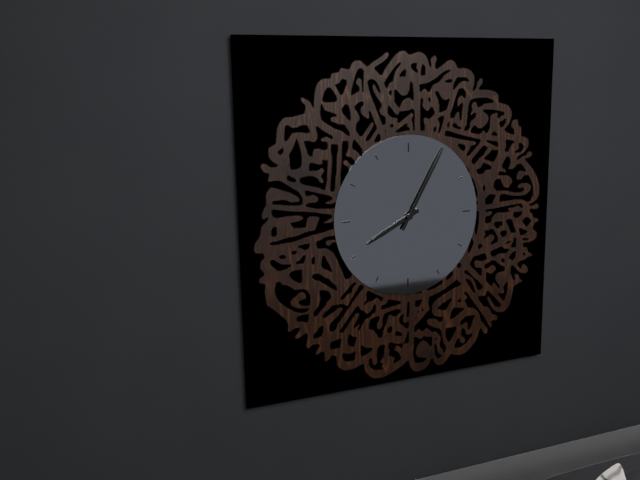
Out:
8 h 05 min
